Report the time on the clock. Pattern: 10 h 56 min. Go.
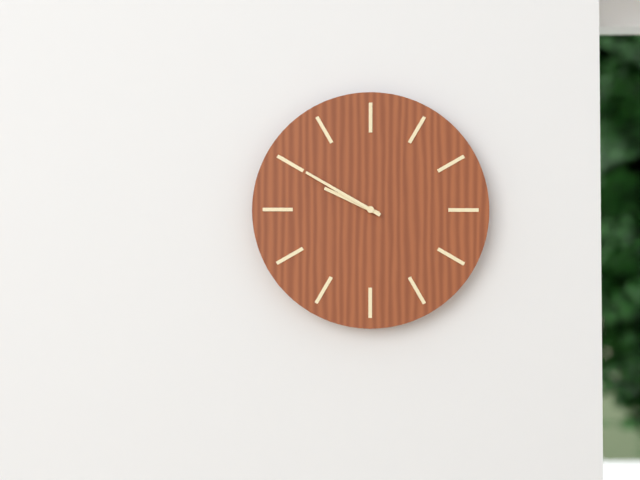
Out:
9 h 50 min
